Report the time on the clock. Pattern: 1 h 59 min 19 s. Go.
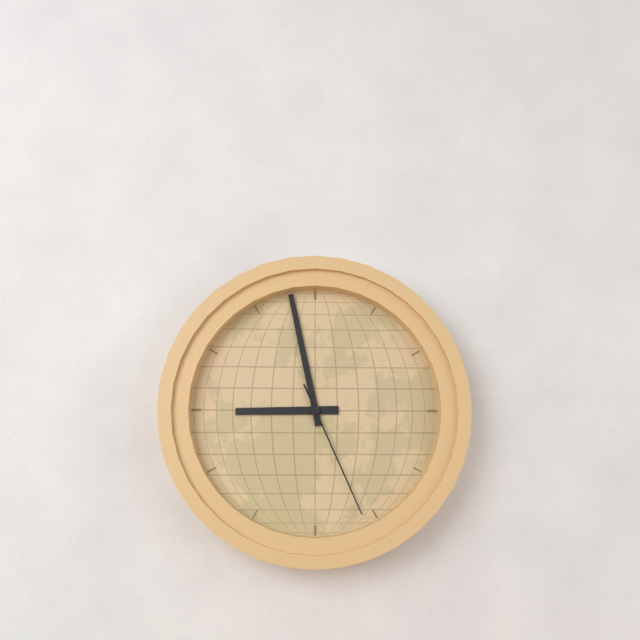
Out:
8 h 58 min 26 s
